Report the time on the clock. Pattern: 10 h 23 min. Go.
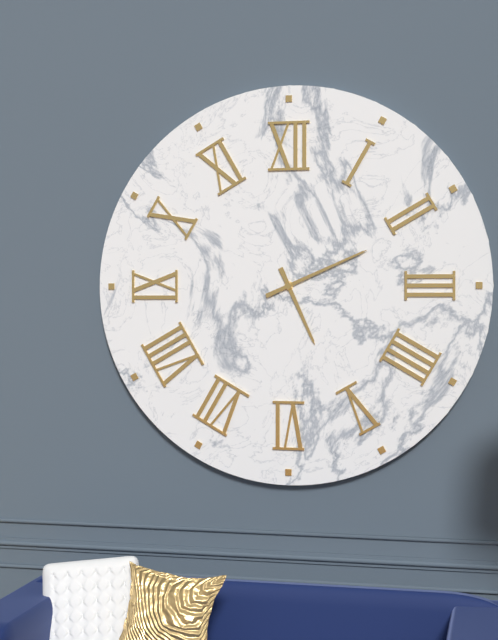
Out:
5 h 11 min
